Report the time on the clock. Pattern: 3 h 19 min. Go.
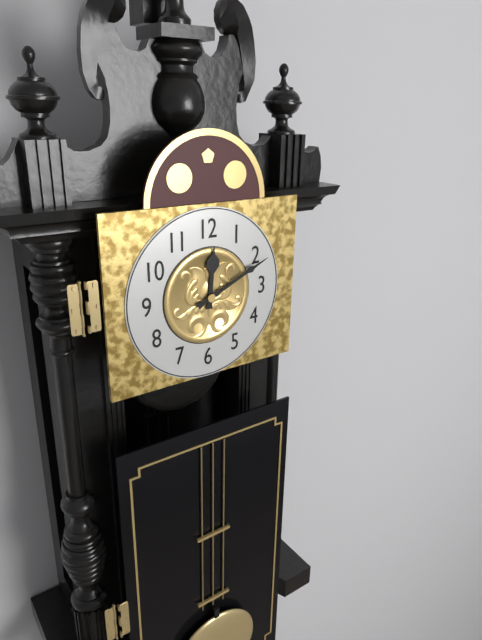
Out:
12 h 11 min
